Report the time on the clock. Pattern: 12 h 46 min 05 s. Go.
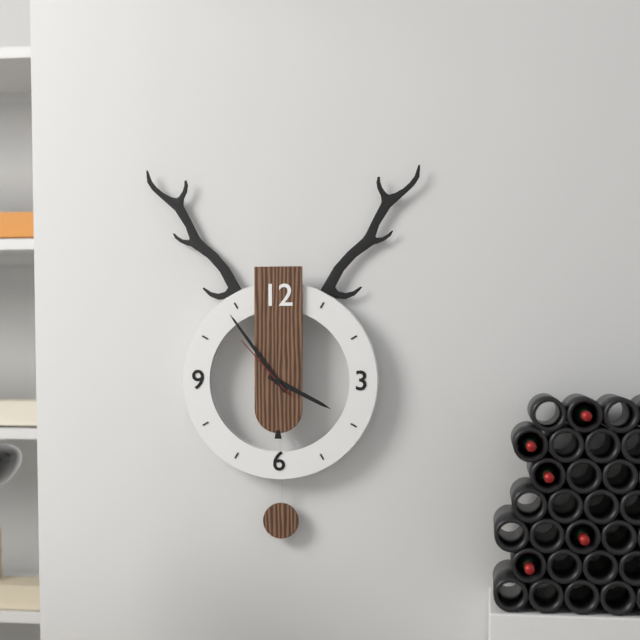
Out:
3 h 54 min 53 s
